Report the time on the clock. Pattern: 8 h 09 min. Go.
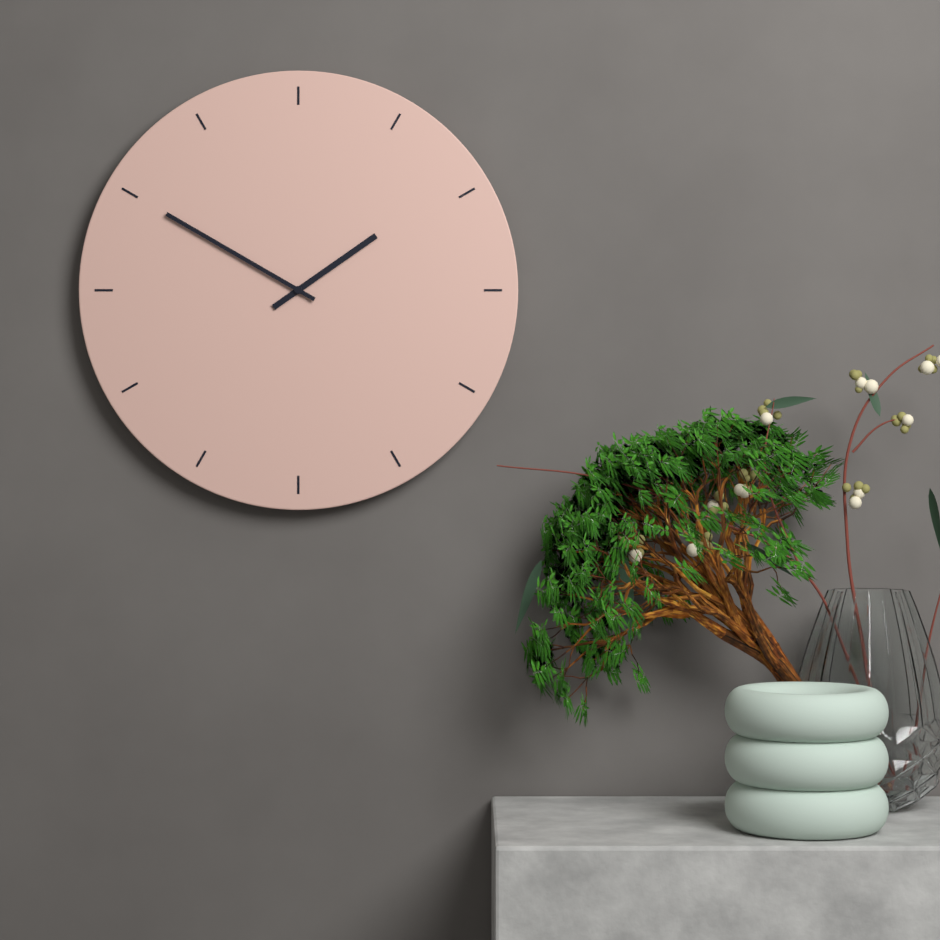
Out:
1 h 50 min
